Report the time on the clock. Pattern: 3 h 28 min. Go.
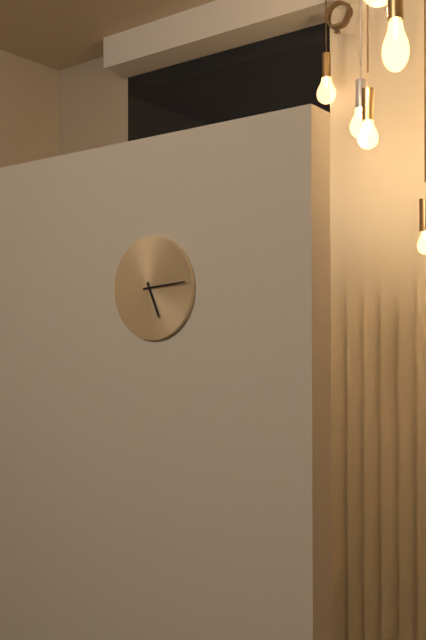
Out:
5 h 14 min
